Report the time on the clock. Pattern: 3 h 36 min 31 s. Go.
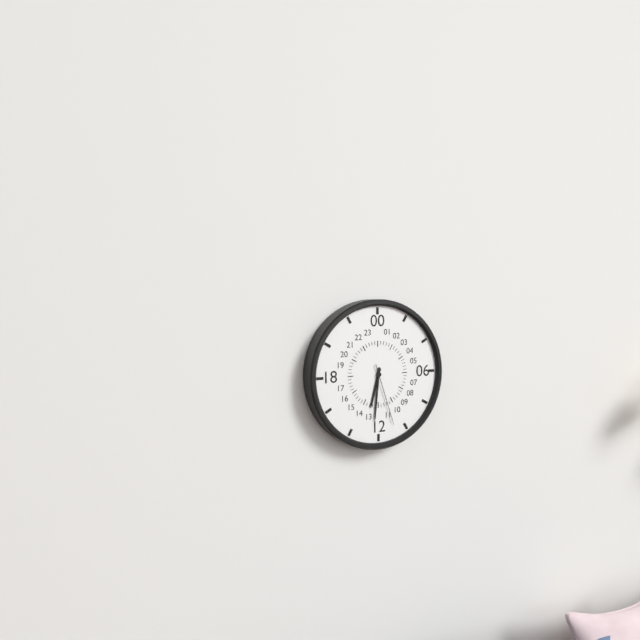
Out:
6 h 31 min 27 s
